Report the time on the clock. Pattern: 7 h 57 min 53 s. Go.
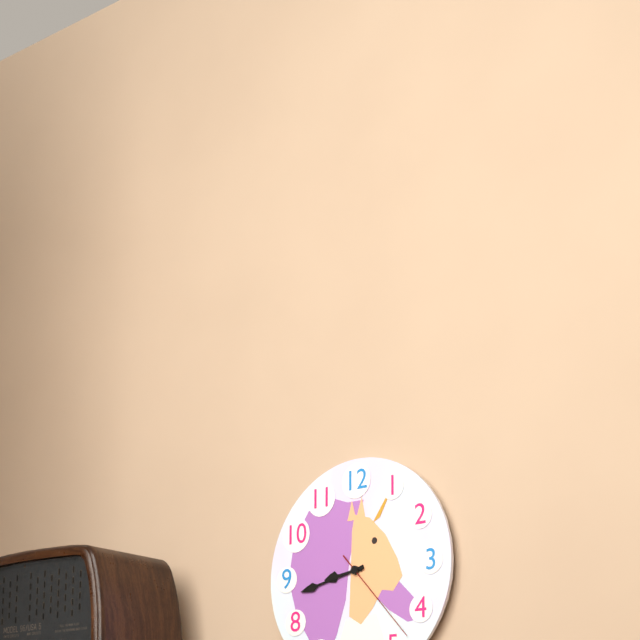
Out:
8 h 43 min 23 s
